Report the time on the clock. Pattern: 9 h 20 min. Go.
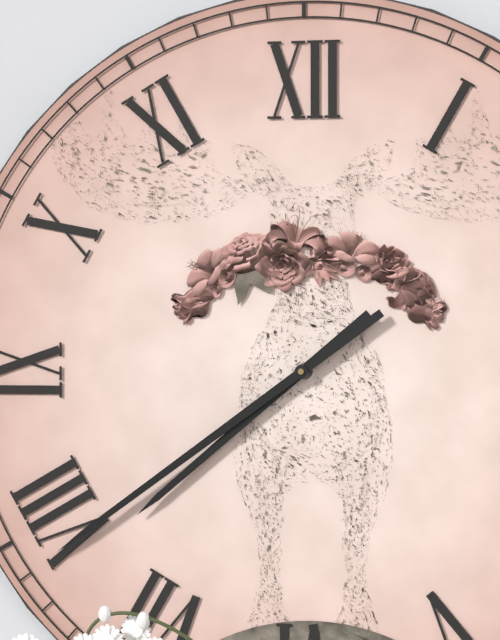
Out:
7 h 39 min
